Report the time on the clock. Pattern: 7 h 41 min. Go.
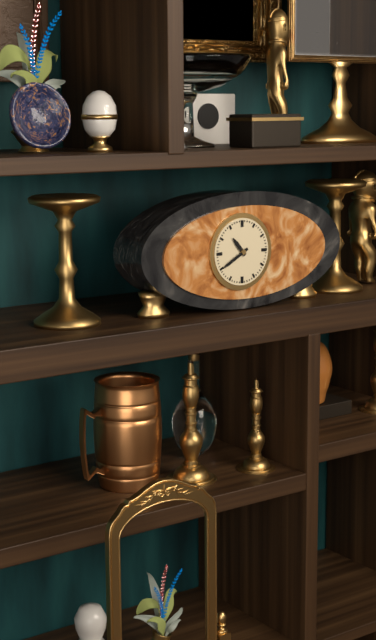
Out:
10 h 40 min
